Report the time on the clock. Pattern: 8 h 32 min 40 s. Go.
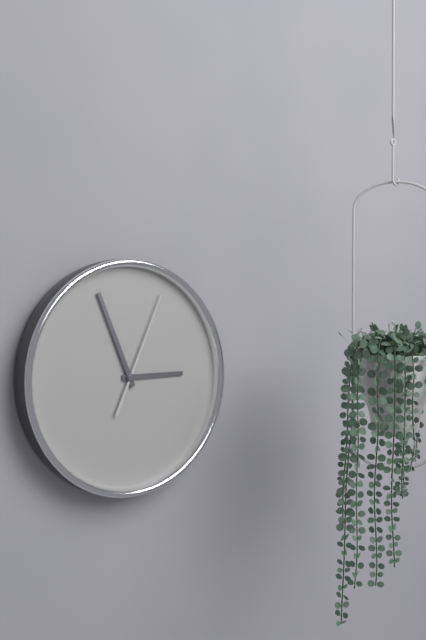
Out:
2 h 56 min 04 s
